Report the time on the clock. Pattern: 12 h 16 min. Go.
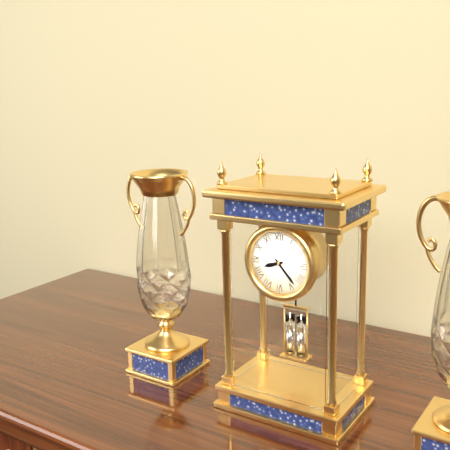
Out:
8 h 23 min
